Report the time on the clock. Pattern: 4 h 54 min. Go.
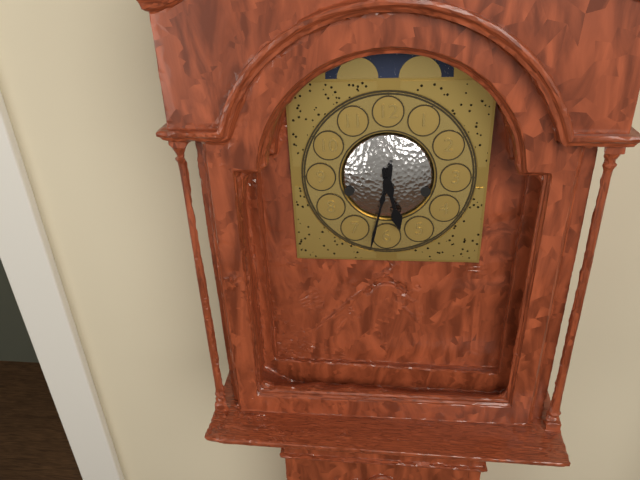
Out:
5 h 32 min
